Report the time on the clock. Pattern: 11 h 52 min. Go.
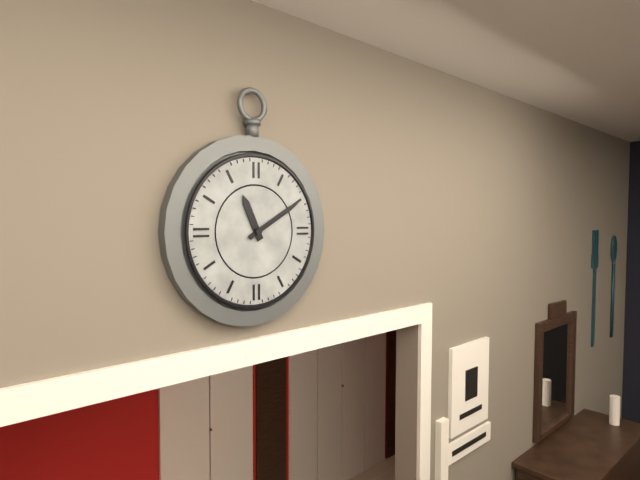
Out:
11 h 10 min
